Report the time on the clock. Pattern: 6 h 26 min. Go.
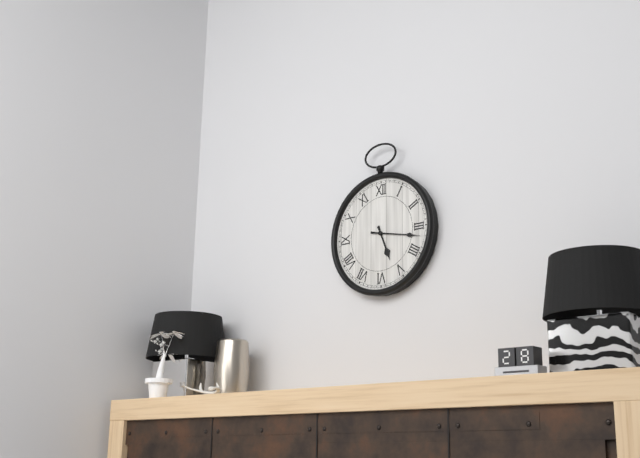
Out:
5 h 17 min
